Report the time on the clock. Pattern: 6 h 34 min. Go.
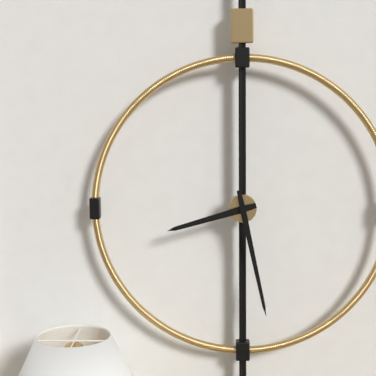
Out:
8 h 28 min
